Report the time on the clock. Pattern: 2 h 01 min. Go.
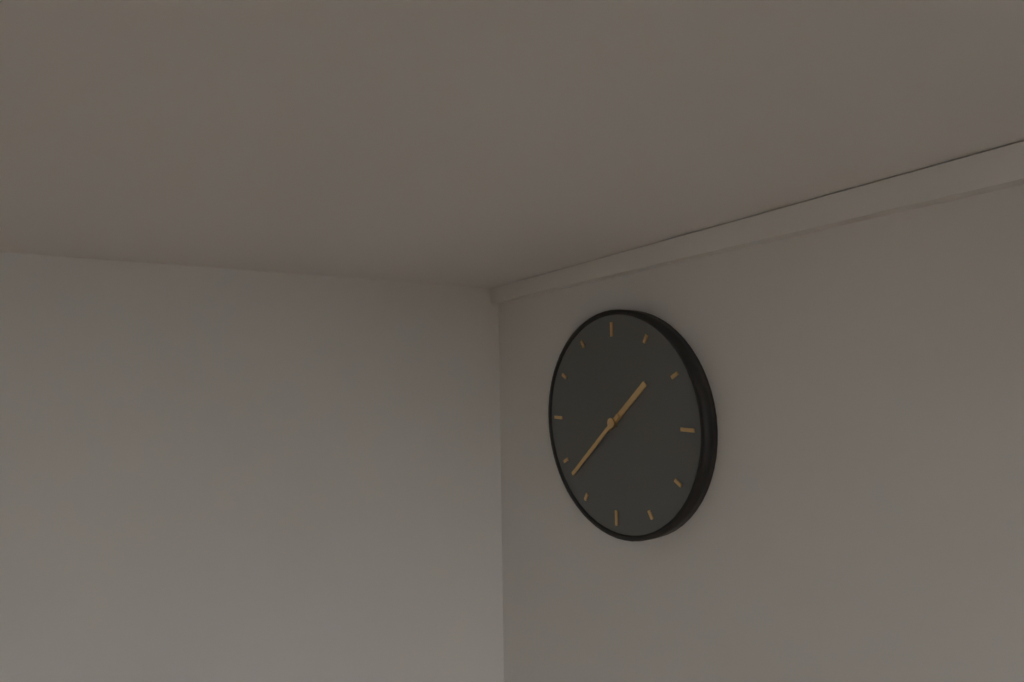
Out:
1 h 38 min
